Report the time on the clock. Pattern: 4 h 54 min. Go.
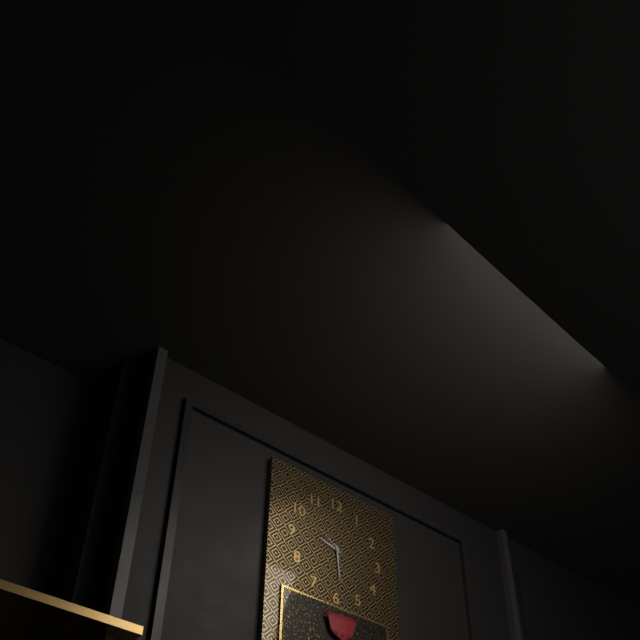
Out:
9 h 29 min
